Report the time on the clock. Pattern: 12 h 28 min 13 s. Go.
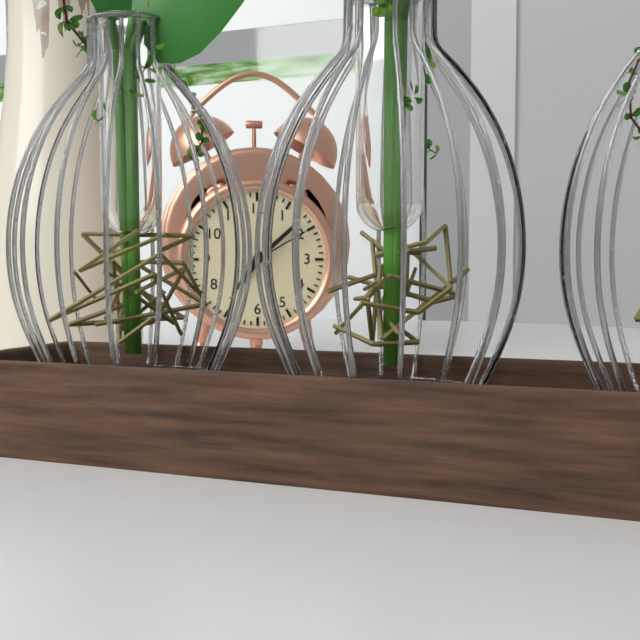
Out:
7 h 08 min 10 s
